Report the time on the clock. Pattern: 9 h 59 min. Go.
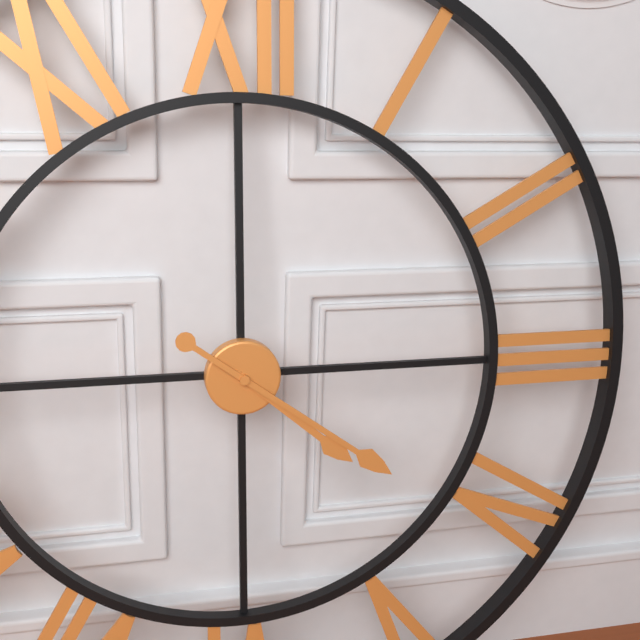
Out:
4 h 21 min
